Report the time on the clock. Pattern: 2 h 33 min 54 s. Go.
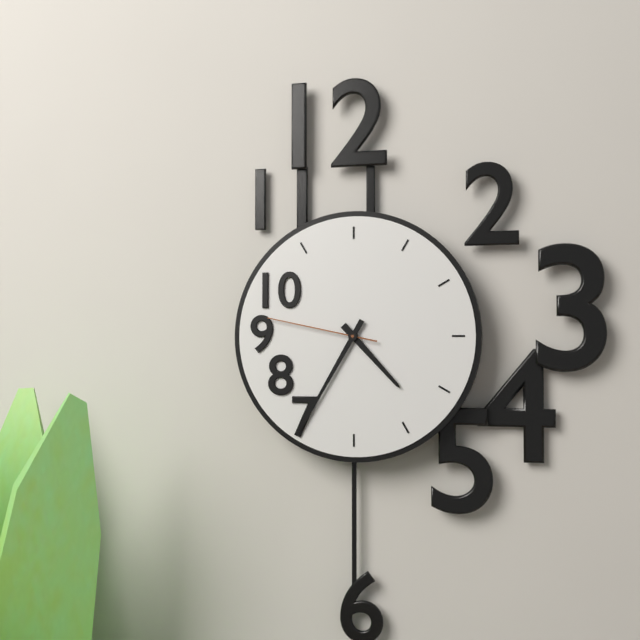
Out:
4 h 35 min 47 s
